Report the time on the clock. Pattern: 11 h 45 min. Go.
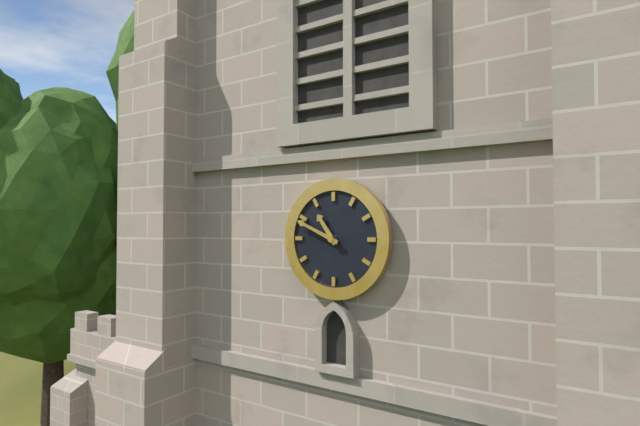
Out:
10 h 49 min
